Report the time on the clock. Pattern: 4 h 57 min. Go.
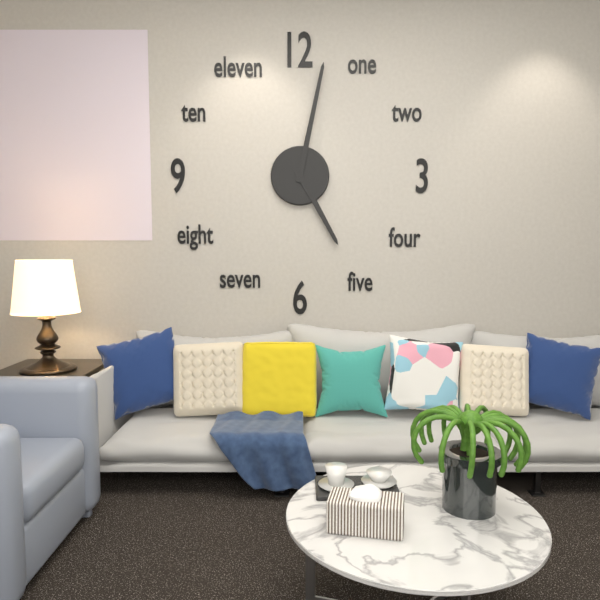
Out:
5 h 02 min
